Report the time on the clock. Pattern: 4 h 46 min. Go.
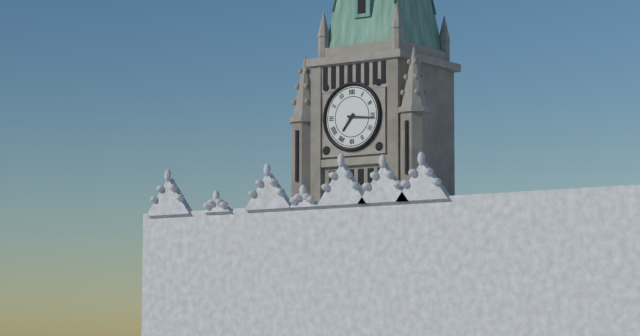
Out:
7 h 16 min
